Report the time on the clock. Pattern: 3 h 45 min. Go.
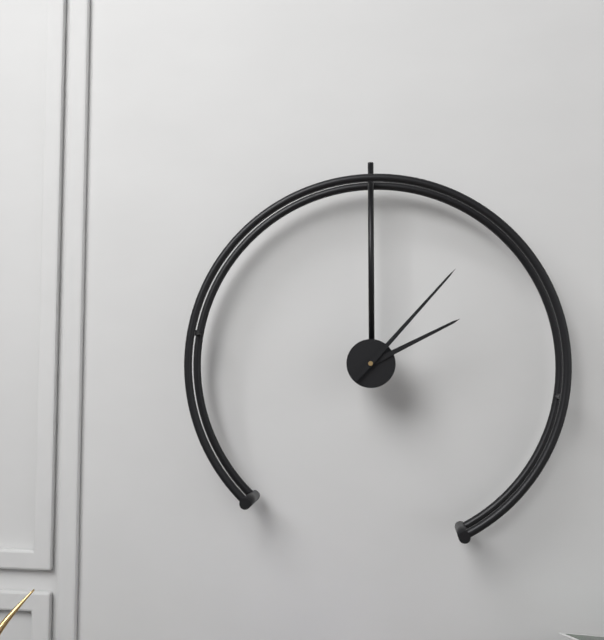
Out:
2 h 07 min
